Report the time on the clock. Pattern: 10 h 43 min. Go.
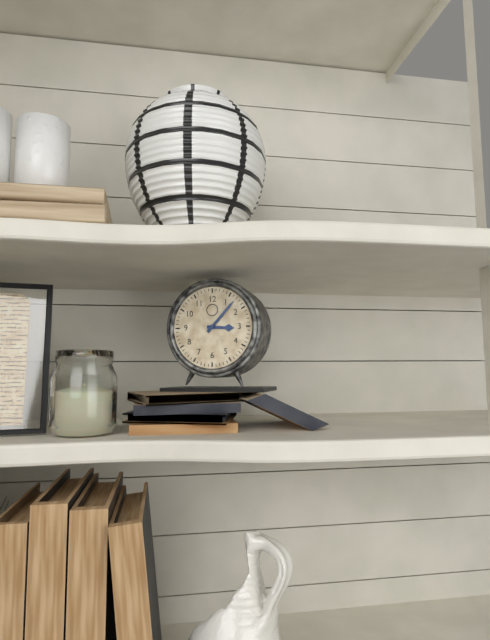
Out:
3 h 07 min
